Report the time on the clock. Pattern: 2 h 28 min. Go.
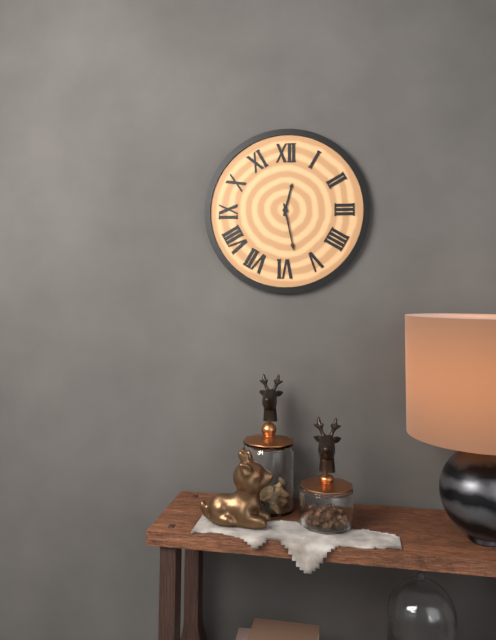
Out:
12 h 28 min
